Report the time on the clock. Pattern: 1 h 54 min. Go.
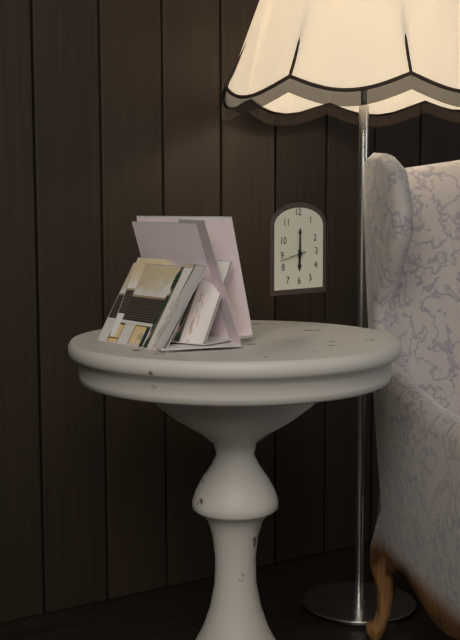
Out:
6 h 00 min
